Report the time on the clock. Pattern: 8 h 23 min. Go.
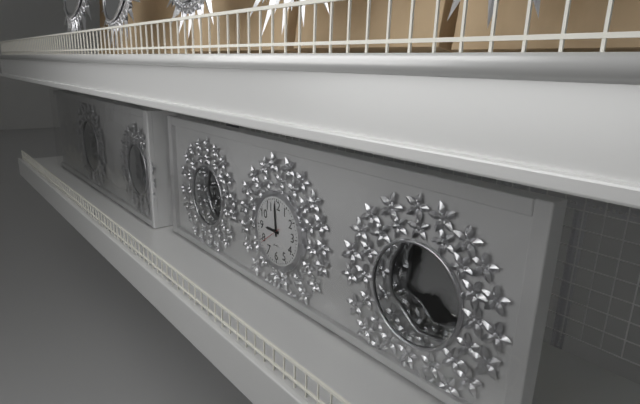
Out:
8 h 59 min
